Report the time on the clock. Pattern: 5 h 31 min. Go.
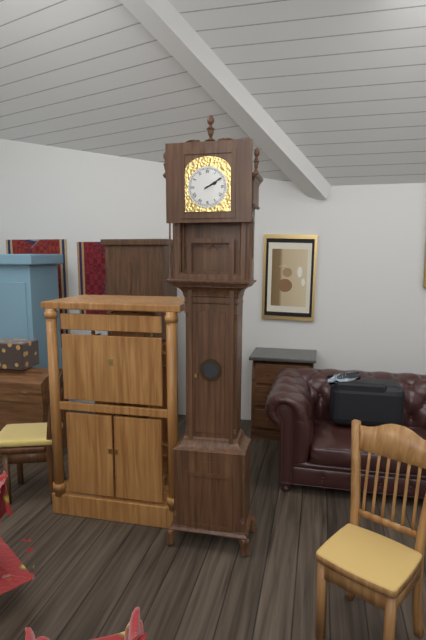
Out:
2 h 10 min
